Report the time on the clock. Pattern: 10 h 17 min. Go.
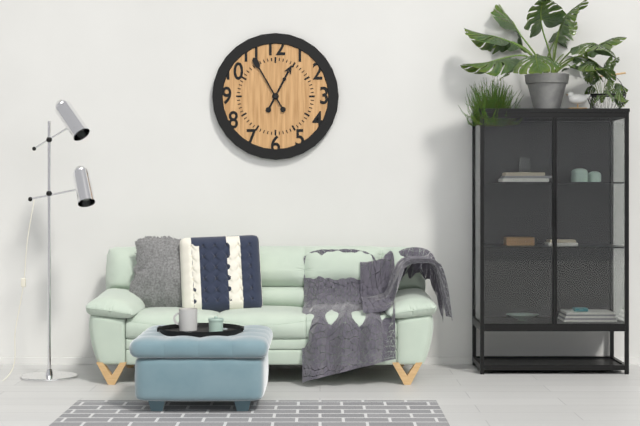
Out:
12 h 55 min
